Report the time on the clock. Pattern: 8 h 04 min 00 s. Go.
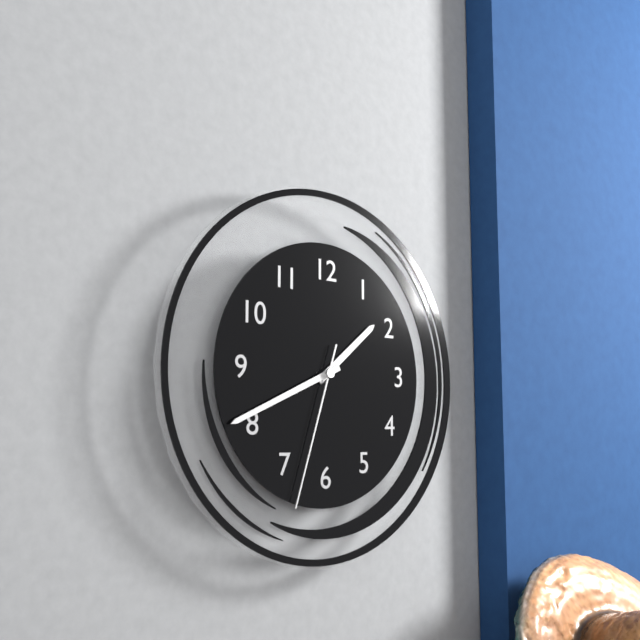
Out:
1 h 41 min 33 s
